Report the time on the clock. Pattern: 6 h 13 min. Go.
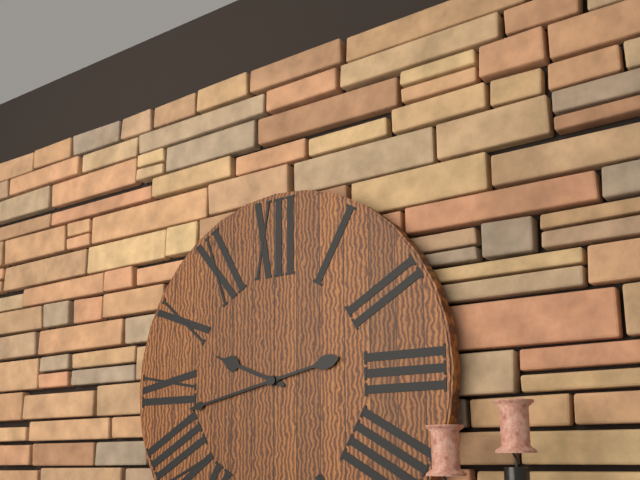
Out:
9 h 43 min
